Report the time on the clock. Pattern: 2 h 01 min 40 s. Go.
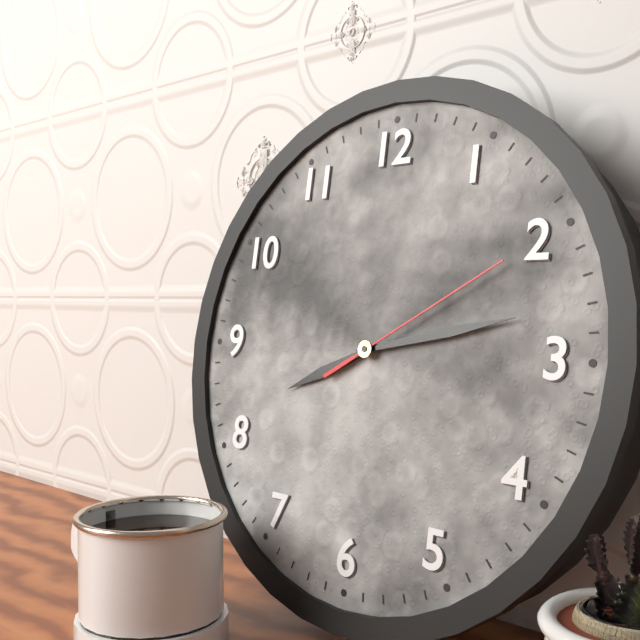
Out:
8 h 13 min 10 s
